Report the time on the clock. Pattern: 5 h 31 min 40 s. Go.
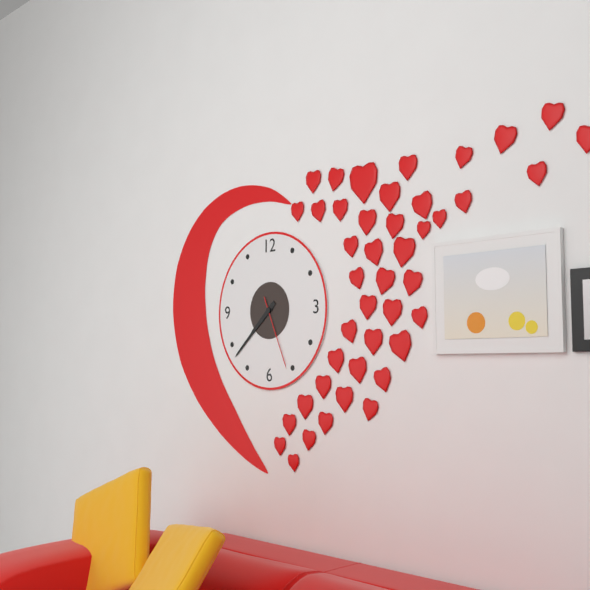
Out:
7 h 38 min 26 s
